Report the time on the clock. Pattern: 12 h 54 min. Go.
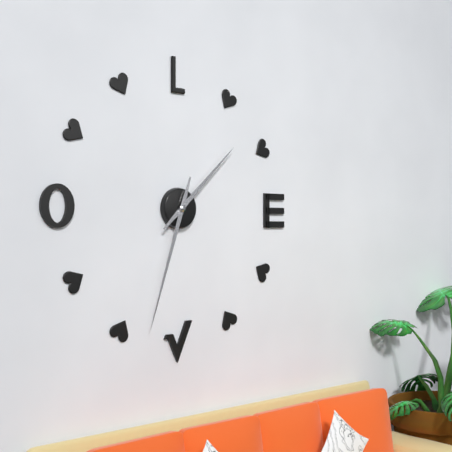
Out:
1 h 33 min
